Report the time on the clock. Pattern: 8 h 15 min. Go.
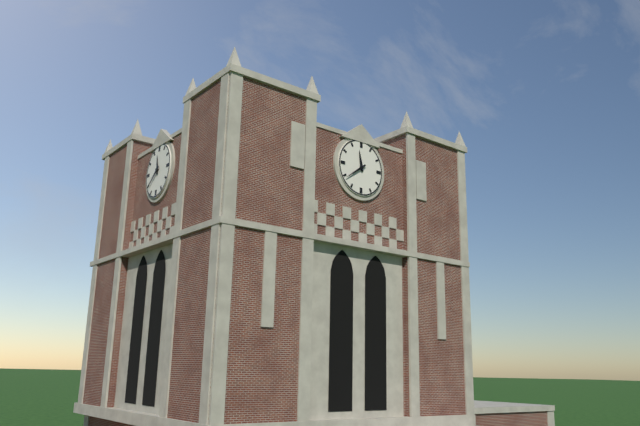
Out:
11 h 39 min
